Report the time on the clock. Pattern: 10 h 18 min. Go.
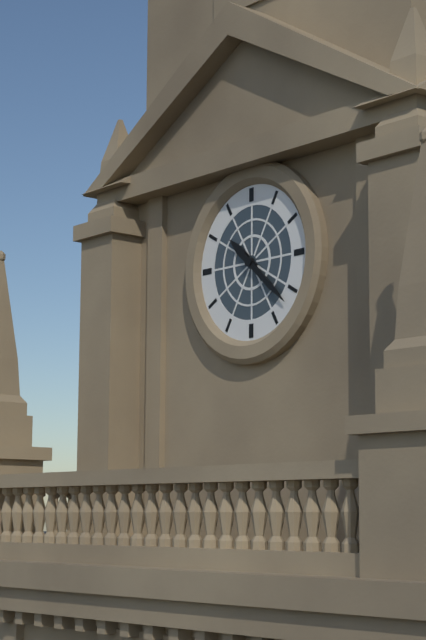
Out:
10 h 22 min
